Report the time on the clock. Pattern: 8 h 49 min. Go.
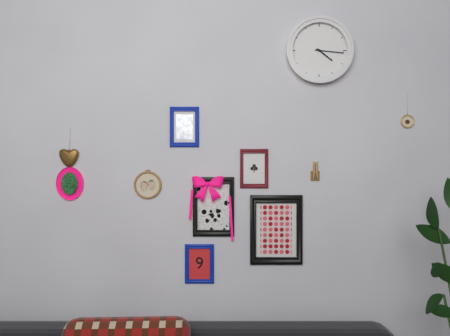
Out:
4 h 16 min
